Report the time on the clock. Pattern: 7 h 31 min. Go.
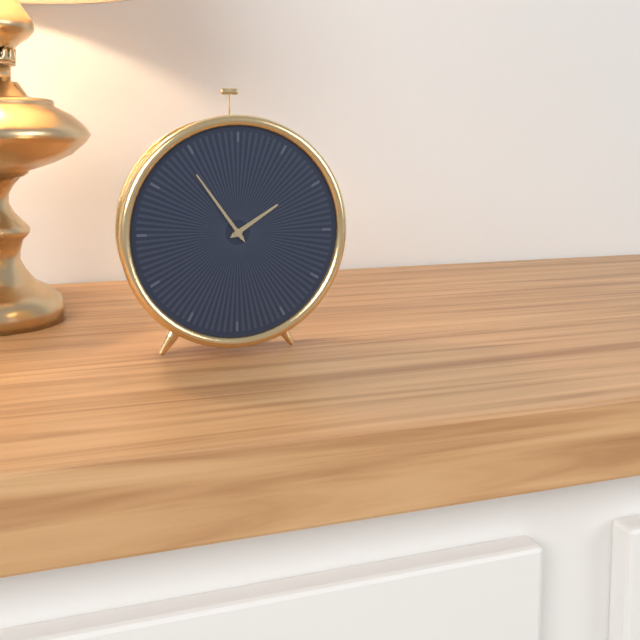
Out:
1 h 54 min
